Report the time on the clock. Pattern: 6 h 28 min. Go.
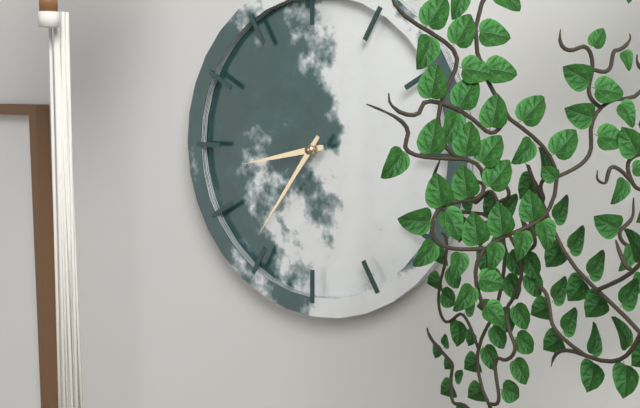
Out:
8 h 36 min
